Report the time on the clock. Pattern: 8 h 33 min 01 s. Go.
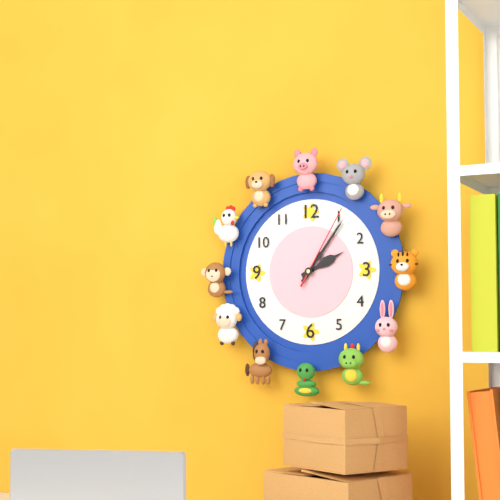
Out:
2 h 06 min 05 s
